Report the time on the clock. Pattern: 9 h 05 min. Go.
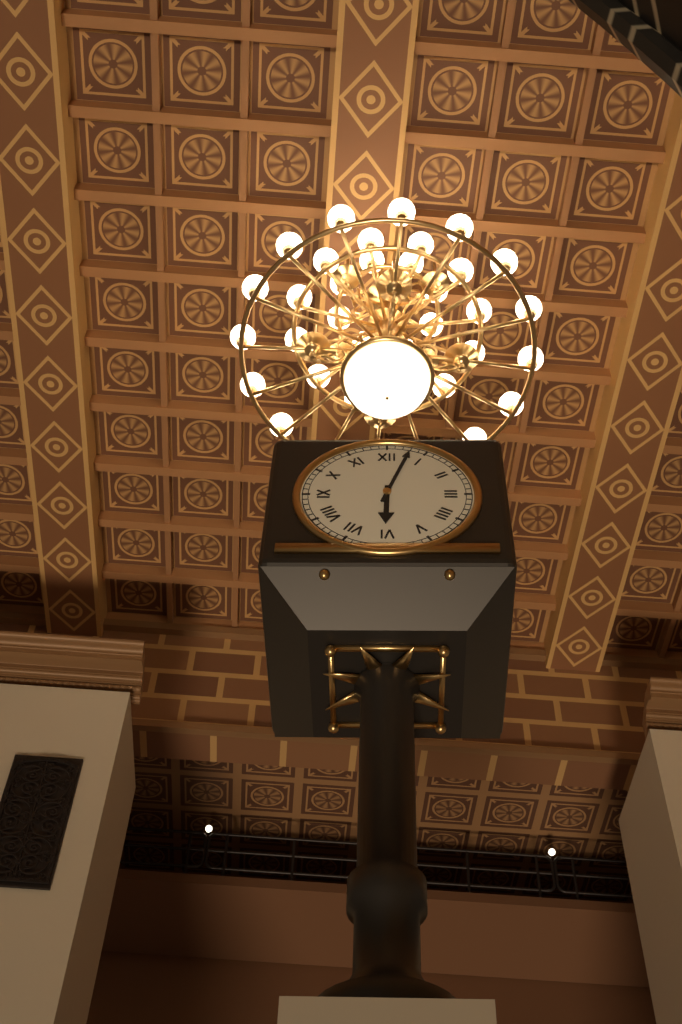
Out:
6 h 03 min
